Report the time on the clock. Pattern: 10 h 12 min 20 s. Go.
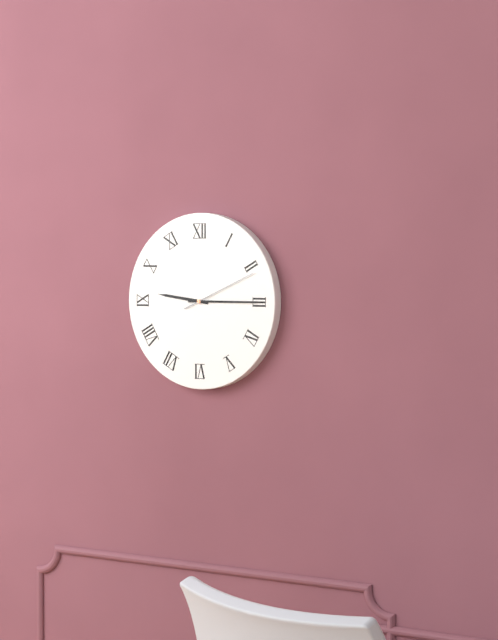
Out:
9 h 15 min 11 s
